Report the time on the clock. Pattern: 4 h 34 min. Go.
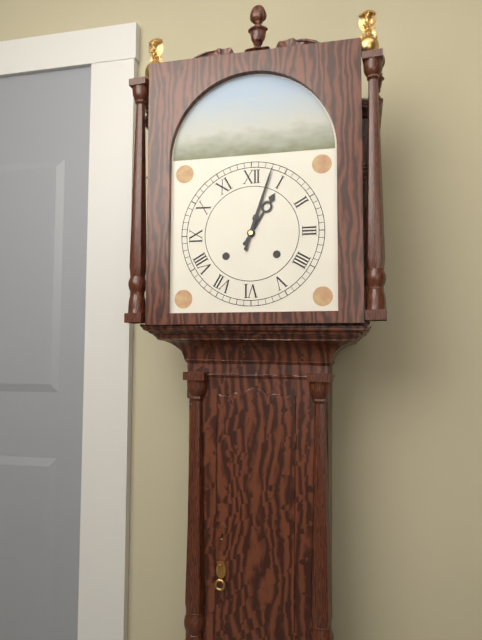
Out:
1 h 03 min
